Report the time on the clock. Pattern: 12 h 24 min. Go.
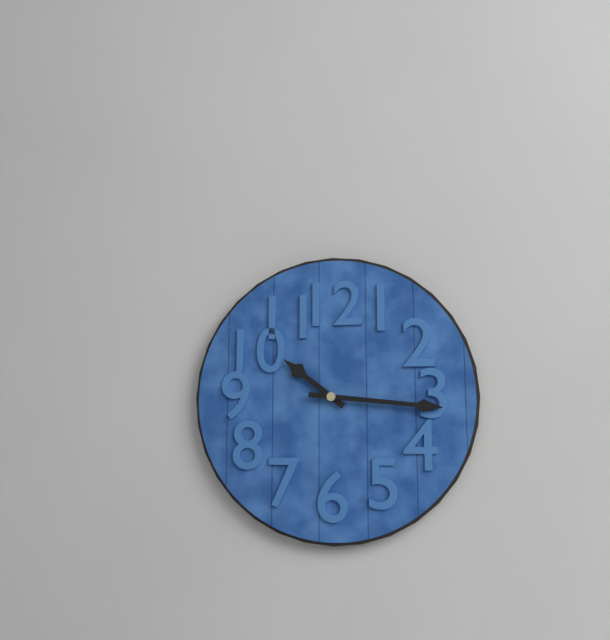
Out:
10 h 16 min
